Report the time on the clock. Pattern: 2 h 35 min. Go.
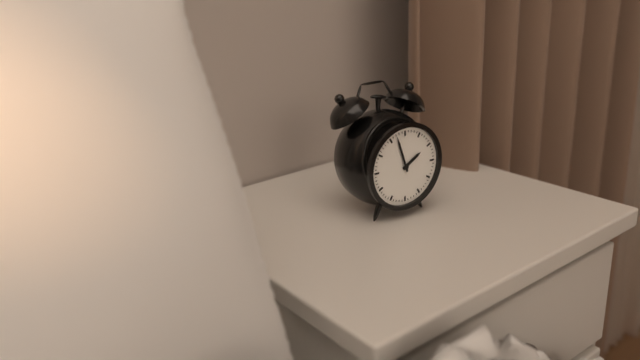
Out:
1 h 57 min
